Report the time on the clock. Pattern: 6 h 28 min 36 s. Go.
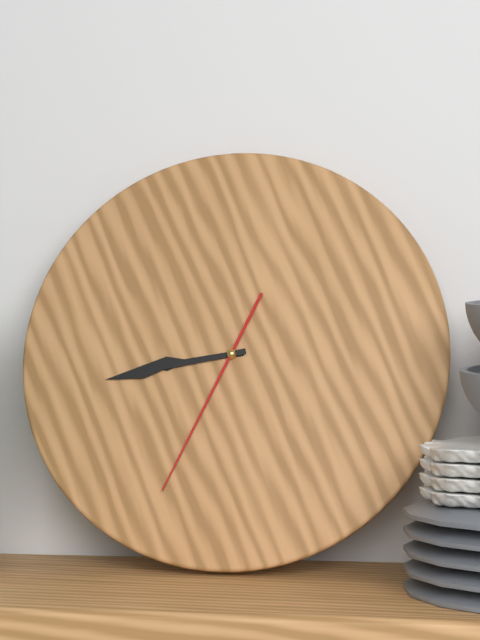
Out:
8 h 43 min 34 s
